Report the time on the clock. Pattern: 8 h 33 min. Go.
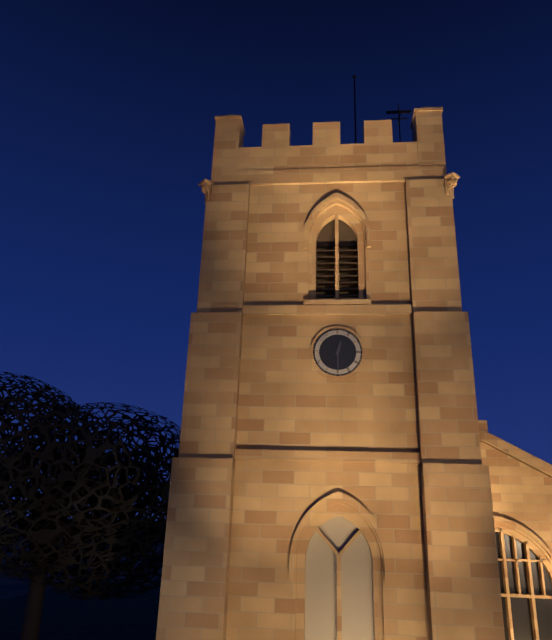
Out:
12 h 30 min
